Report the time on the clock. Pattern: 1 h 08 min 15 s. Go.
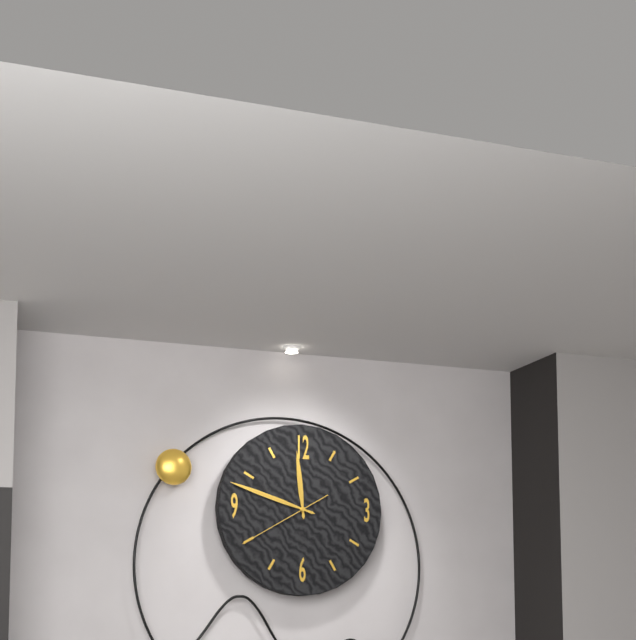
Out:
11 h 48 min 40 s
